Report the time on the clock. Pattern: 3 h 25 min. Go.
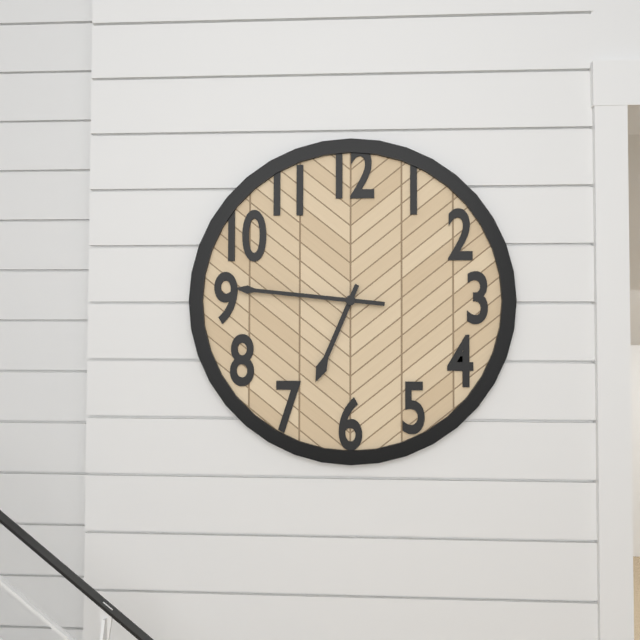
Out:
6 h 46 min
